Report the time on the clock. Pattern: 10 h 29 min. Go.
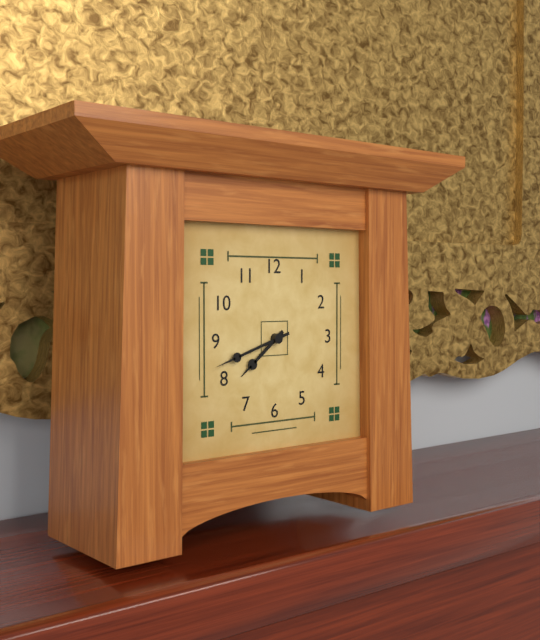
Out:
7 h 42 min
